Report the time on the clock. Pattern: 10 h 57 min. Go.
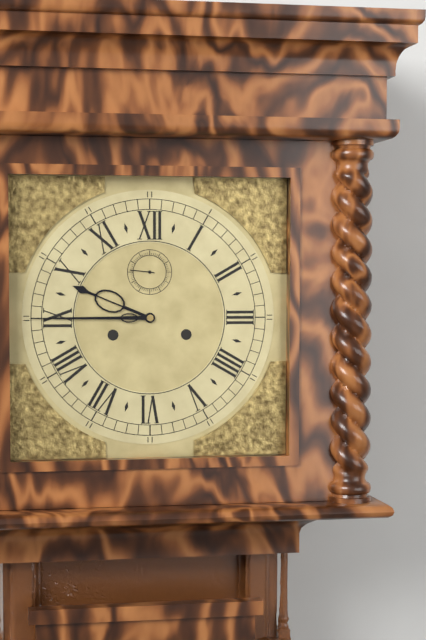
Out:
9 h 45 min
